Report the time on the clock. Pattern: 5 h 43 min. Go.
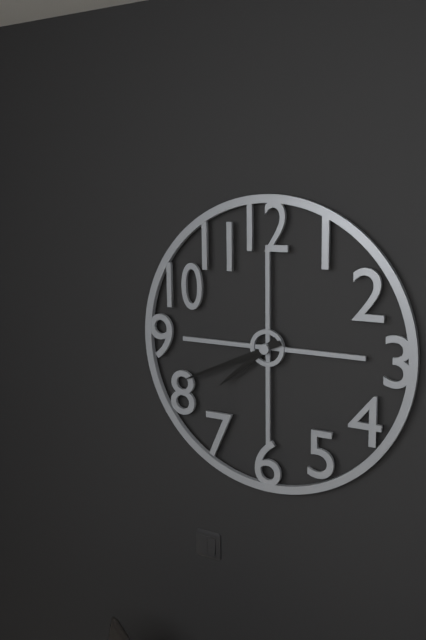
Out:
7 h 41 min
